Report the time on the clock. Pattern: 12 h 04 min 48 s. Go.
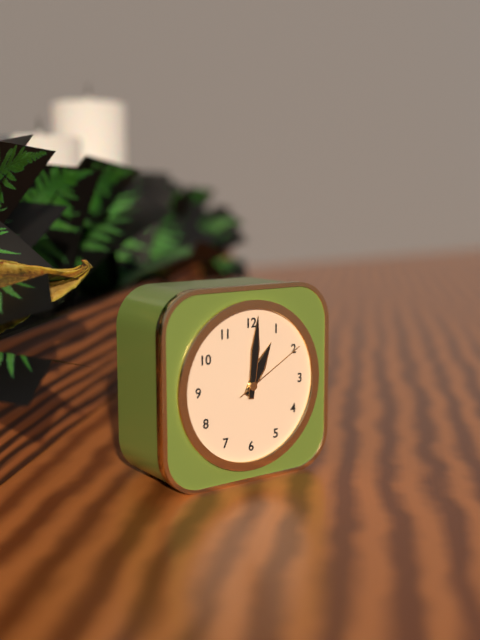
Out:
1 h 01 min 10 s
